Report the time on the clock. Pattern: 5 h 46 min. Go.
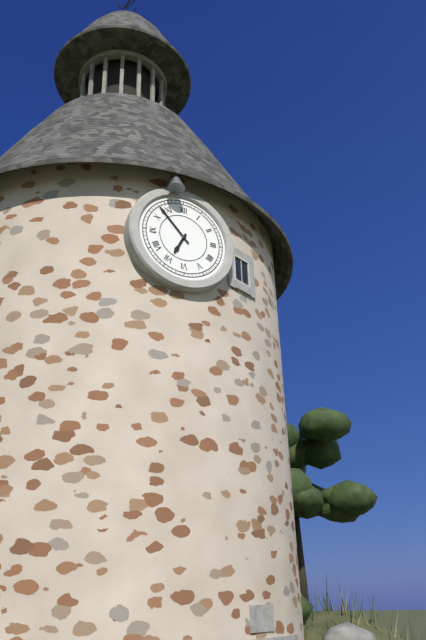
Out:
6 h 53 min
